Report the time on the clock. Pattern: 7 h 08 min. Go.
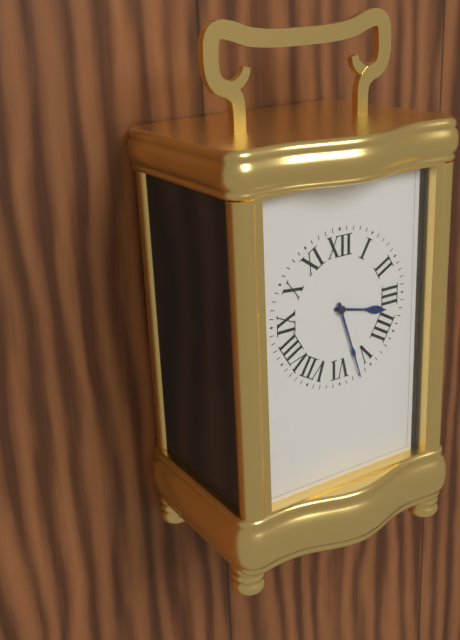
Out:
3 h 27 min
